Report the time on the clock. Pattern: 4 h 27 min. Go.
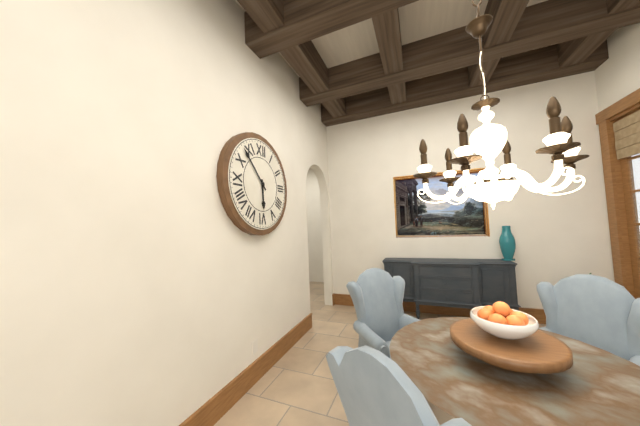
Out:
5 h 53 min
